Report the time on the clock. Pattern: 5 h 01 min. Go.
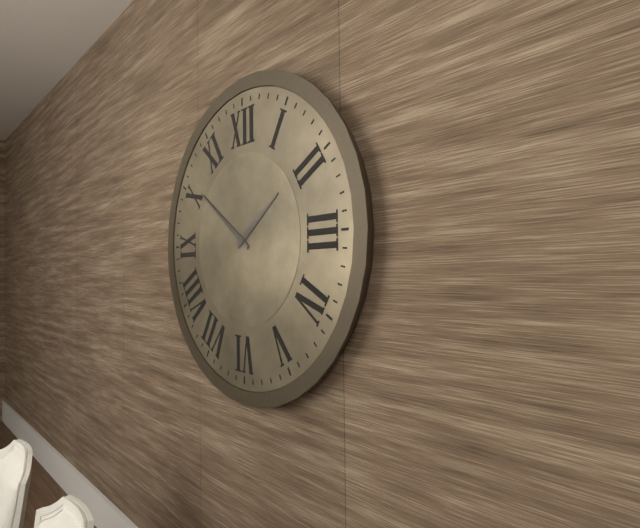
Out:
1 h 51 min
